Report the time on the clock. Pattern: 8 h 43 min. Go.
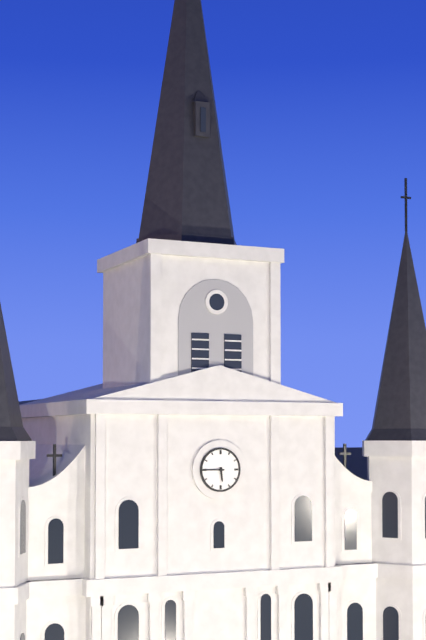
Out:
5 h 45 min
